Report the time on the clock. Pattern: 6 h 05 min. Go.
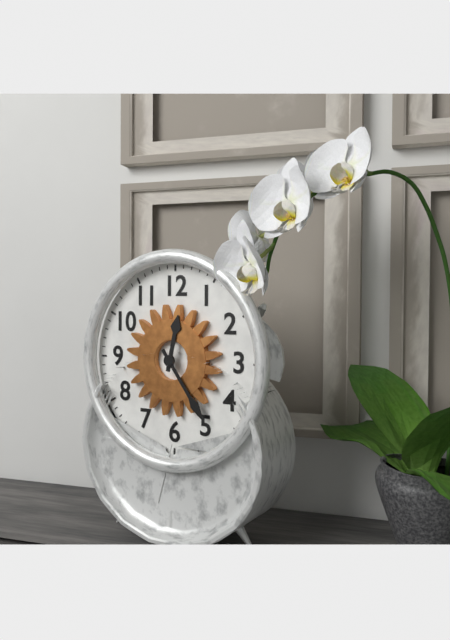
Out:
12 h 24 min
